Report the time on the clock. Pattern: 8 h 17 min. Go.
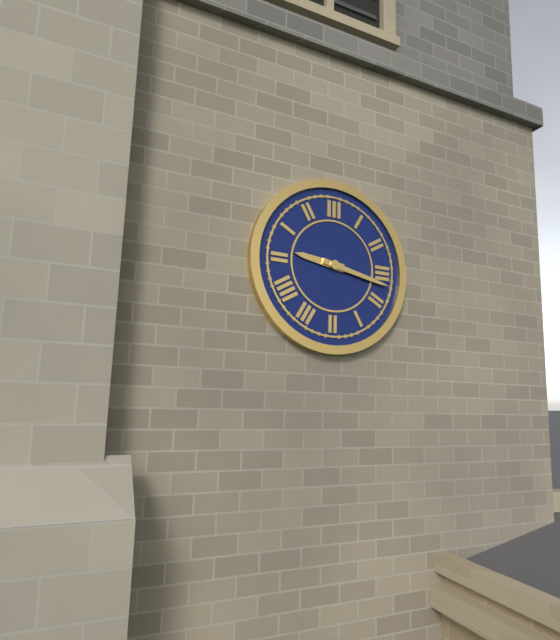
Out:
9 h 17 min
